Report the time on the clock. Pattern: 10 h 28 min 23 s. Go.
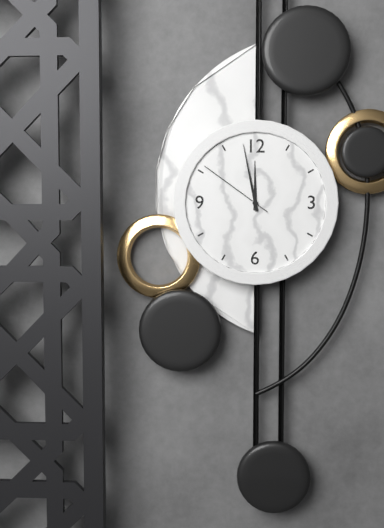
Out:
11 h 58 min 51 s
